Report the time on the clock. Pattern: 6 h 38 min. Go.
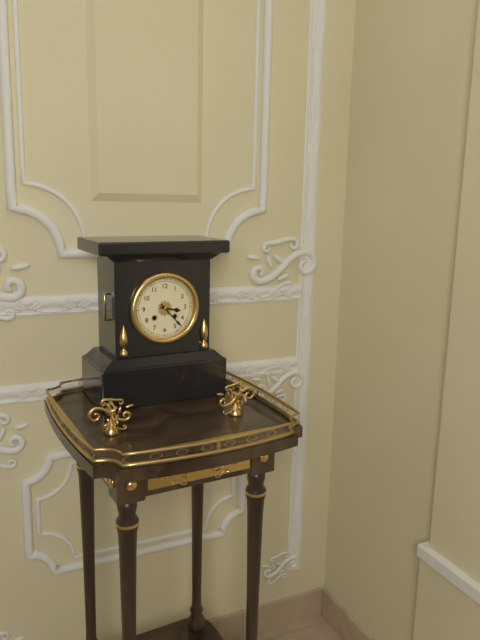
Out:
3 h 23 min
